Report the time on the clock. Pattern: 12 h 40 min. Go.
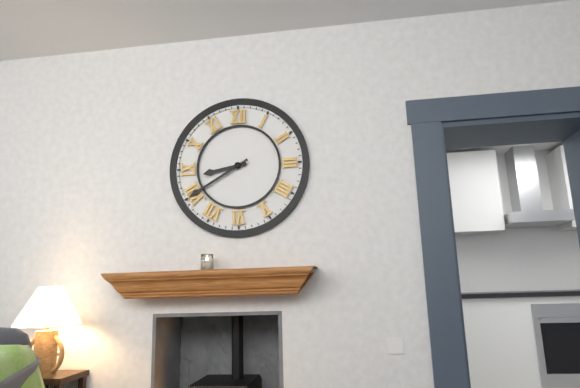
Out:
8 h 40 min
